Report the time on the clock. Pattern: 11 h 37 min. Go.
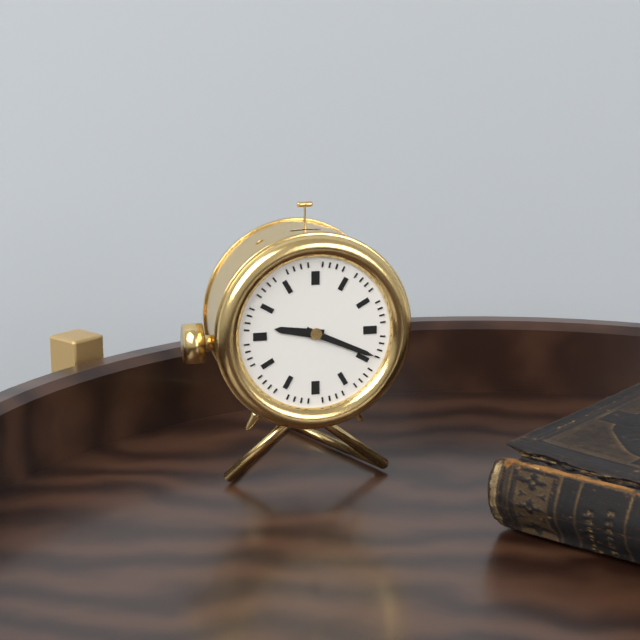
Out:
9 h 19 min
